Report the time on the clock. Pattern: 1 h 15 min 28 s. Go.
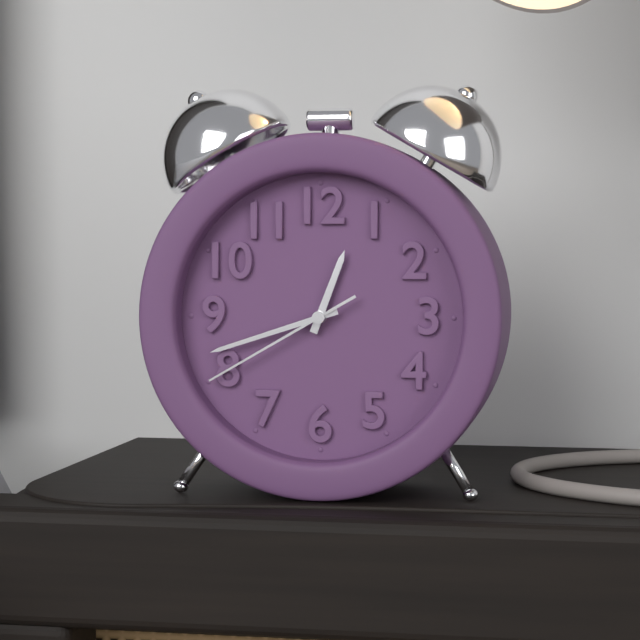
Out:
12 h 42 min 40 s
